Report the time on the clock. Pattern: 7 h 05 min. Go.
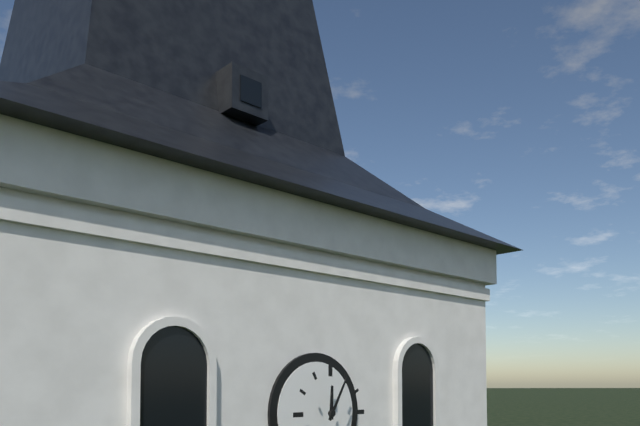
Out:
12 h 05 min
